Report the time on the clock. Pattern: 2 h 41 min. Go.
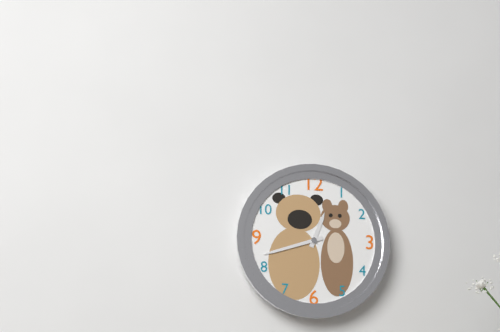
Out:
12 h 42 min
